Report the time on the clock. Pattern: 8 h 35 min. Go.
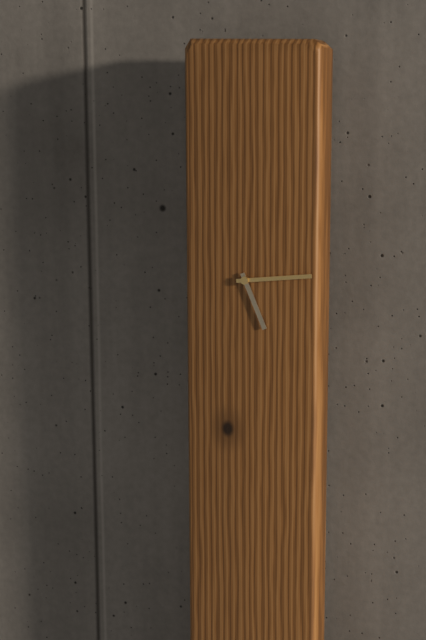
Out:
5 h 14 min
